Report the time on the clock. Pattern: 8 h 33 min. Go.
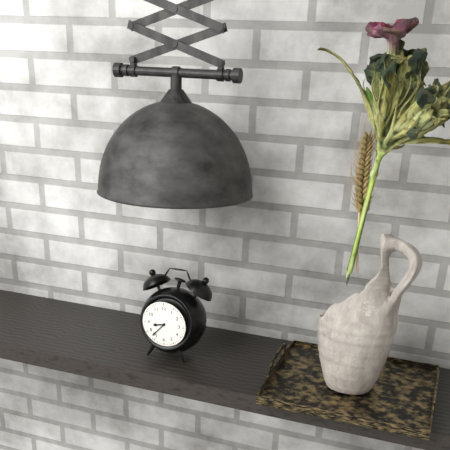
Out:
8 h 37 min
